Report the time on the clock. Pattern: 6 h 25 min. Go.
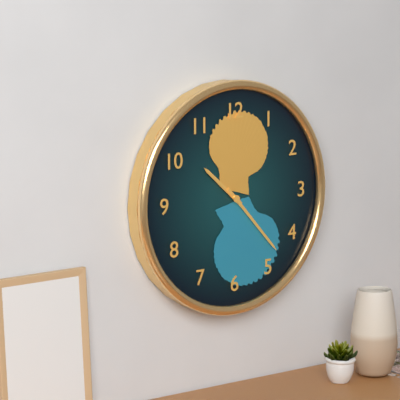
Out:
10 h 23 min
